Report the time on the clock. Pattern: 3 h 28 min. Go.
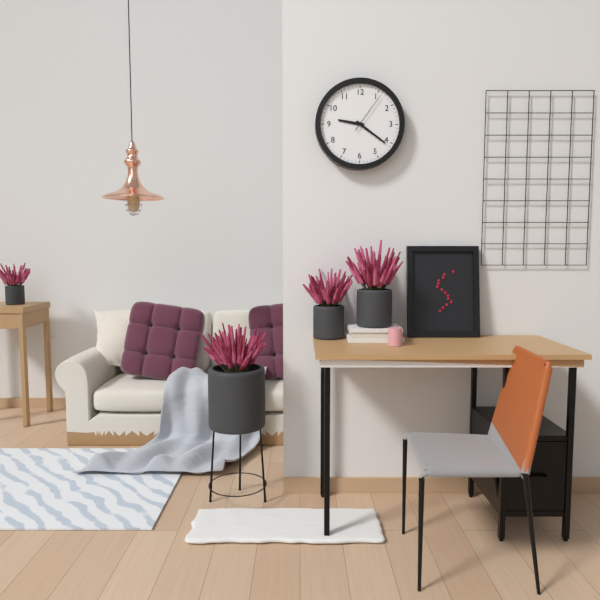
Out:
9 h 21 min
